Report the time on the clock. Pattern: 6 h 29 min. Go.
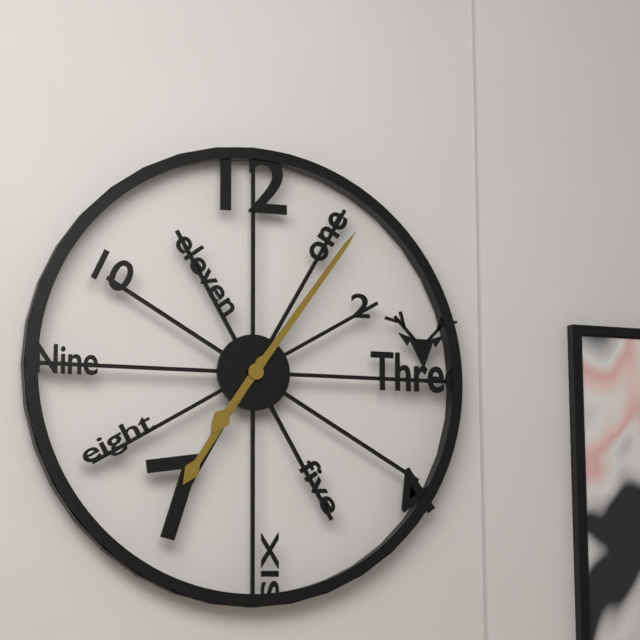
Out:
7 h 06 min
